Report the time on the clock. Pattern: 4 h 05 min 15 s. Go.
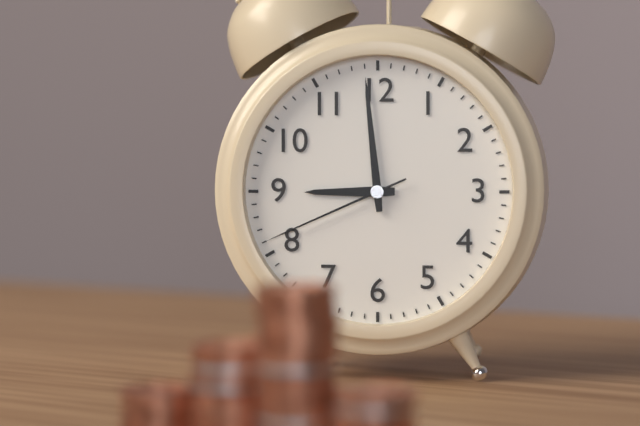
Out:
8 h 59 min 41 s
